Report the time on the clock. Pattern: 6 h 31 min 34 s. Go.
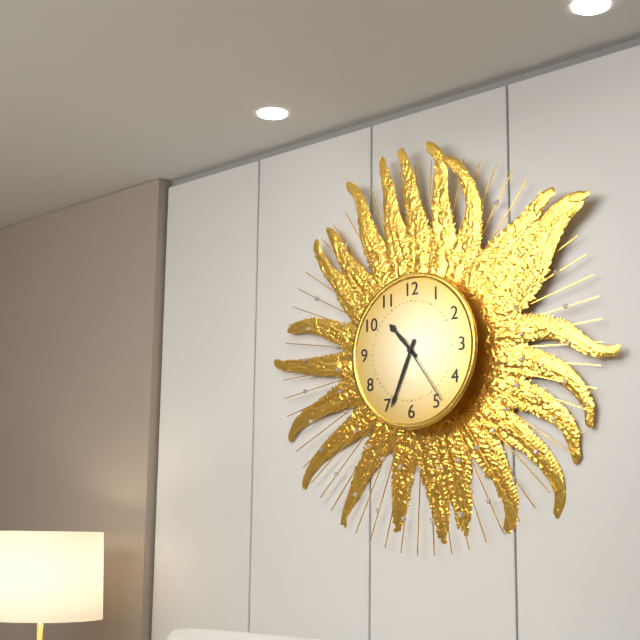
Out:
10 h 34 min 24 s
